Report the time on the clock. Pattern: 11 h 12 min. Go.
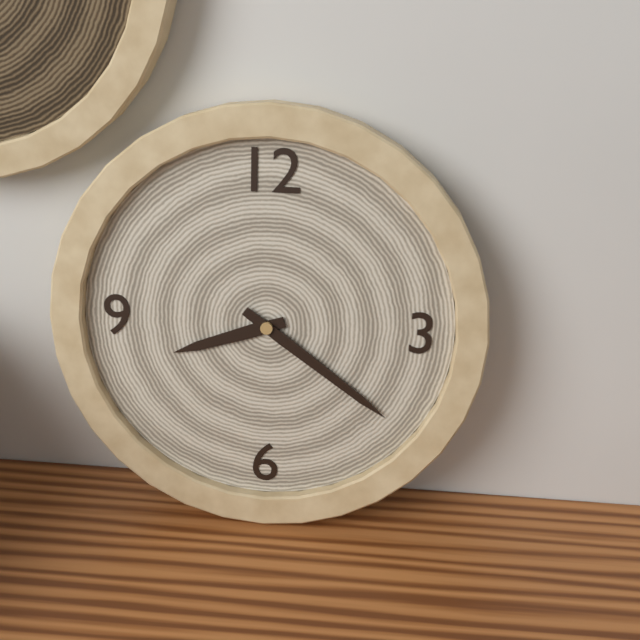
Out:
8 h 21 min
